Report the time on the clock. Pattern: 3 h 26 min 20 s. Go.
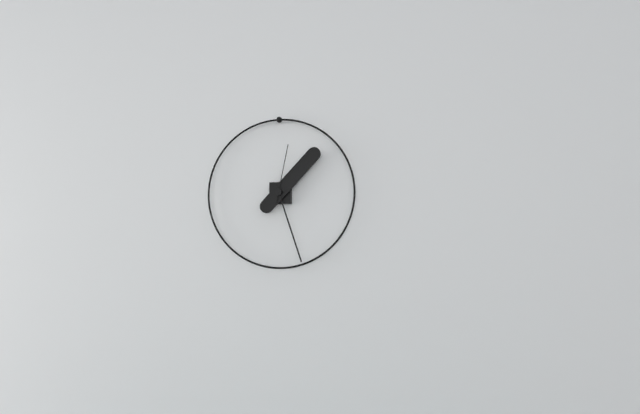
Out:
1 h 27 min 02 s
